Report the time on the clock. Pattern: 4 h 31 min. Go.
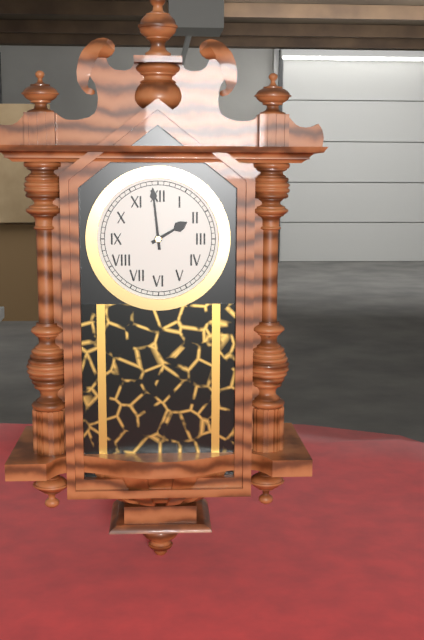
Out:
1 h 59 min
